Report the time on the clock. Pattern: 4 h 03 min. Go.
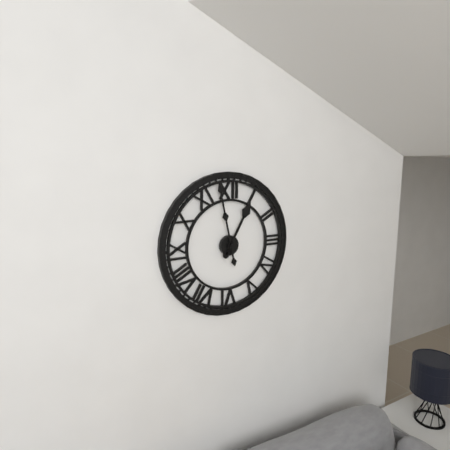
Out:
12 h 58 min
